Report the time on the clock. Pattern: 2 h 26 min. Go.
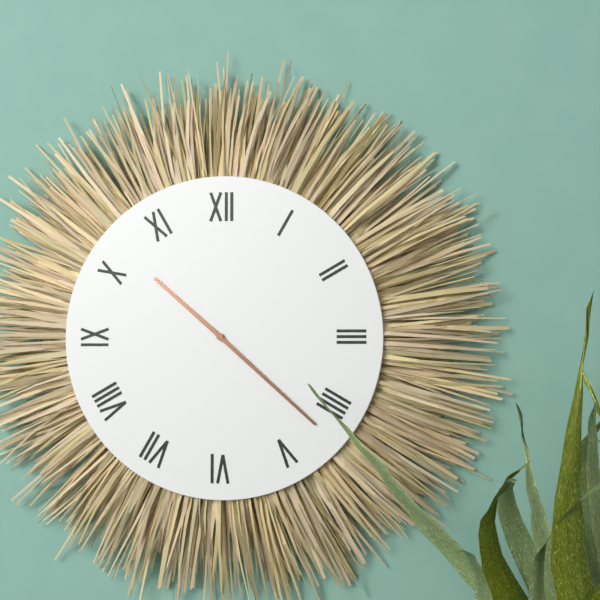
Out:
10 h 22 min
